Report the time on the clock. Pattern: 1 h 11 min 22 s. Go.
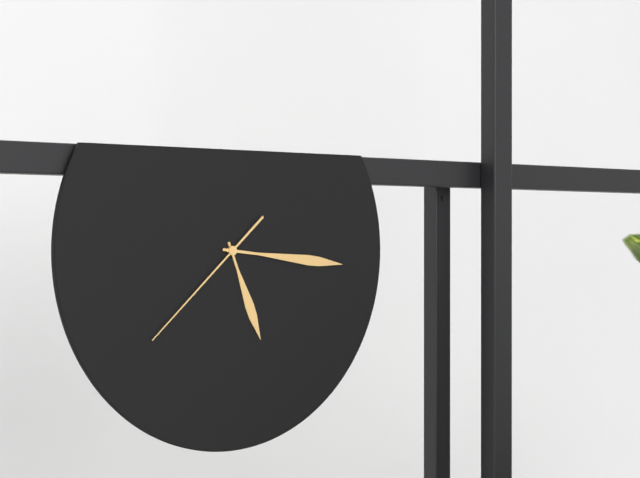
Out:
5 h 16 min 38 s
